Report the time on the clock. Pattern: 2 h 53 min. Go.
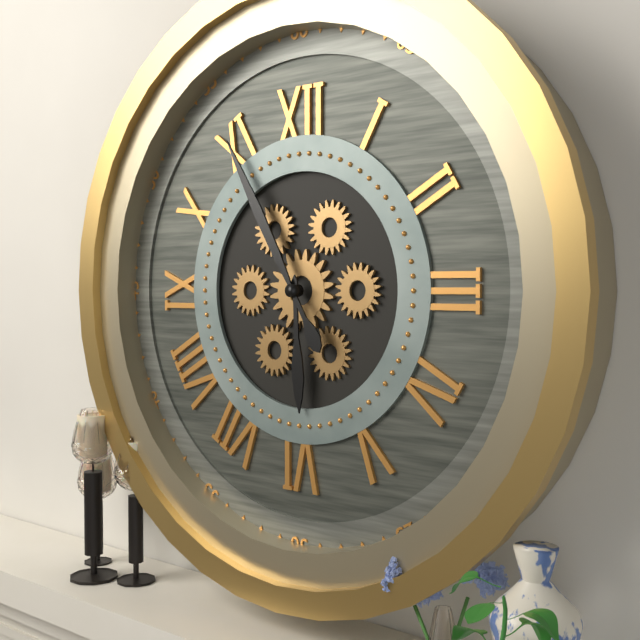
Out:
5 h 55 min
